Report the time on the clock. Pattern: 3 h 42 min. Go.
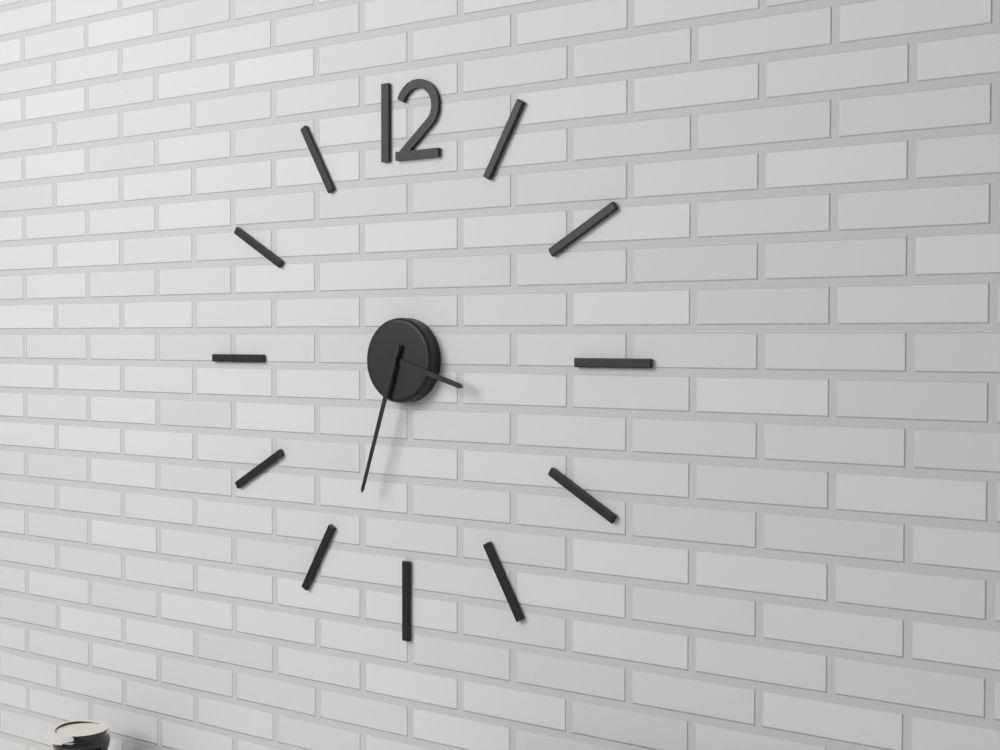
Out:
3 h 33 min
